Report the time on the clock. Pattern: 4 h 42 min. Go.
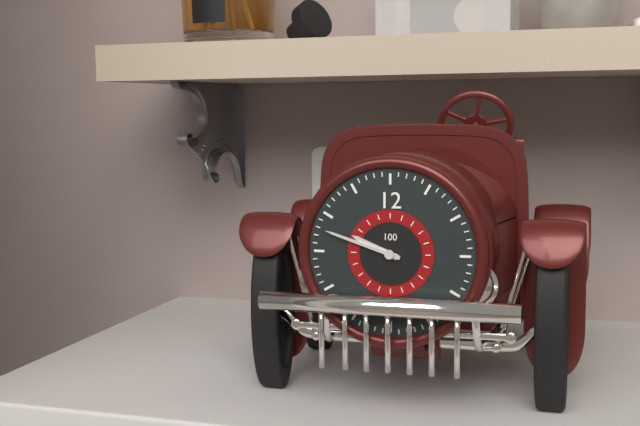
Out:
9 h 48 min
